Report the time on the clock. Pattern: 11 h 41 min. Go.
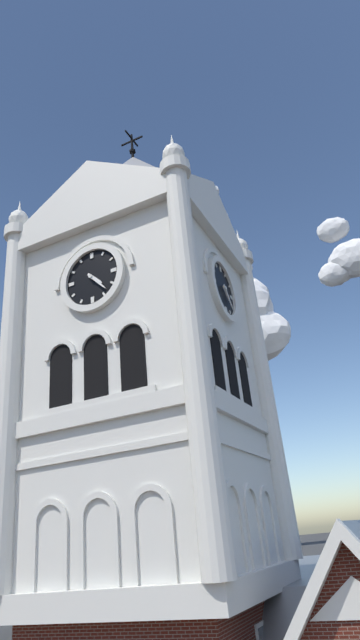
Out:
4 h 23 min
